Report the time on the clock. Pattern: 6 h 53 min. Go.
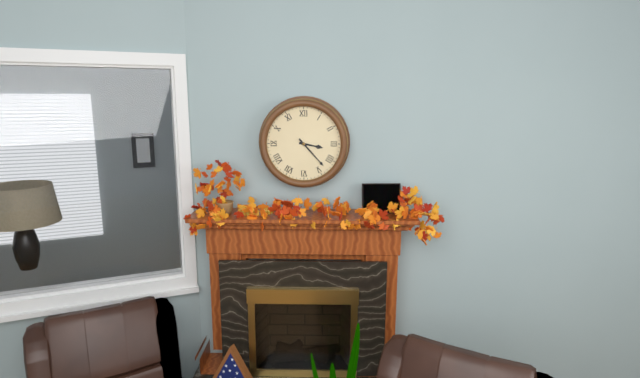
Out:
3 h 23 min
